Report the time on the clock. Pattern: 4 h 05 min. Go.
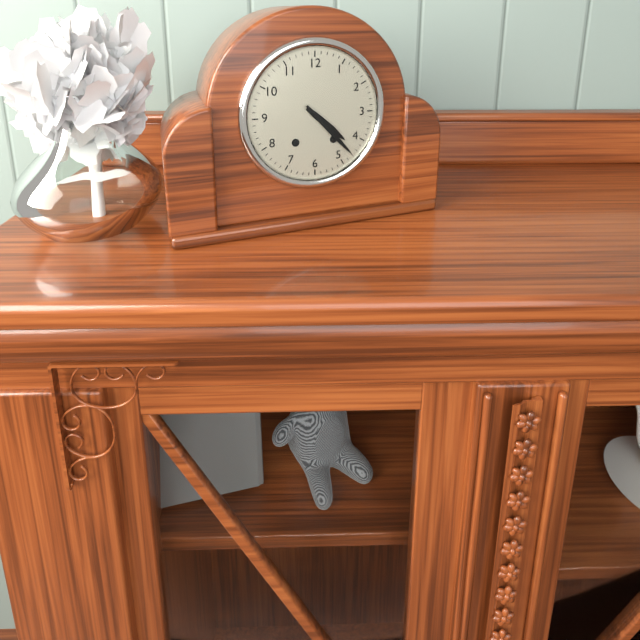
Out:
4 h 23 min
